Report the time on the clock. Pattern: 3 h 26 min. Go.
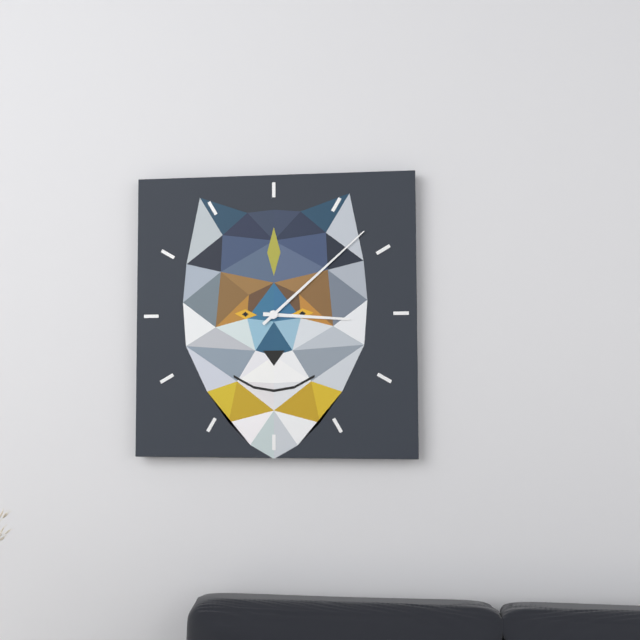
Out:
3 h 08 min
